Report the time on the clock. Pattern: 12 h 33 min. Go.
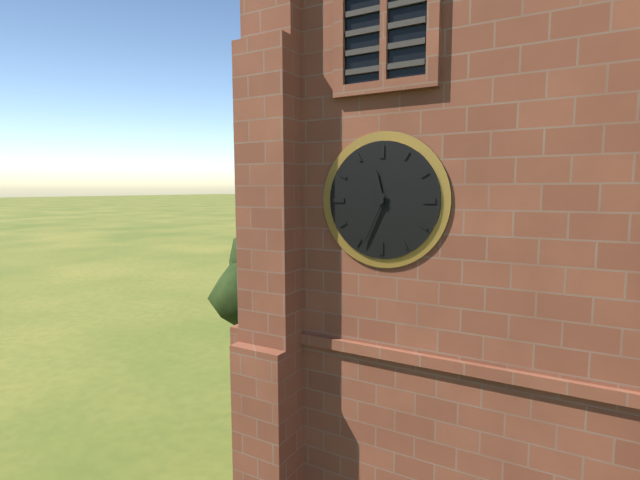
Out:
11 h 34 min
